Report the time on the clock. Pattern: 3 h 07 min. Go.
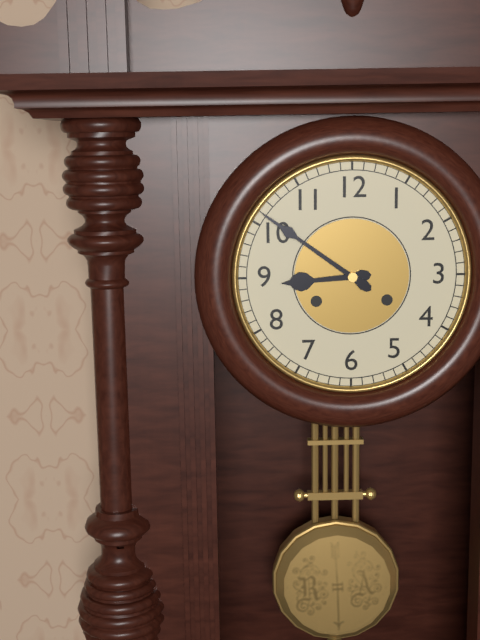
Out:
8 h 51 min
